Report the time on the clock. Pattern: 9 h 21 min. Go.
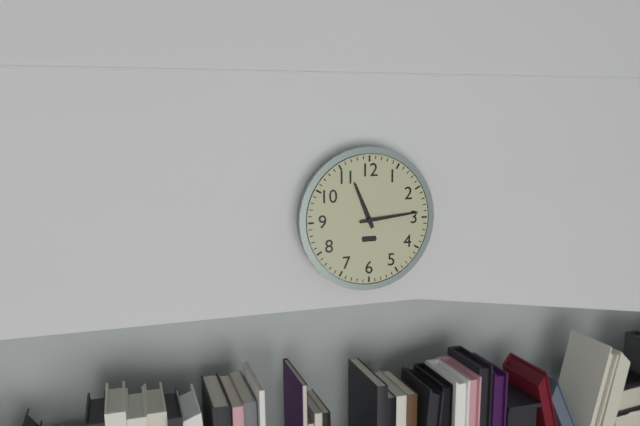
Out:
11 h 14 min
